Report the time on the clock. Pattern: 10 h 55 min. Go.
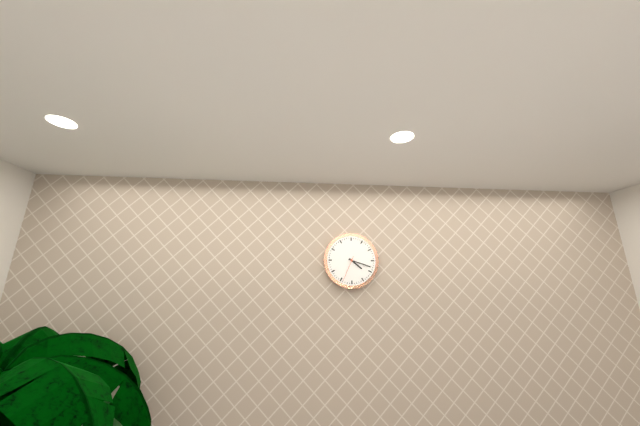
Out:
4 h 18 min
